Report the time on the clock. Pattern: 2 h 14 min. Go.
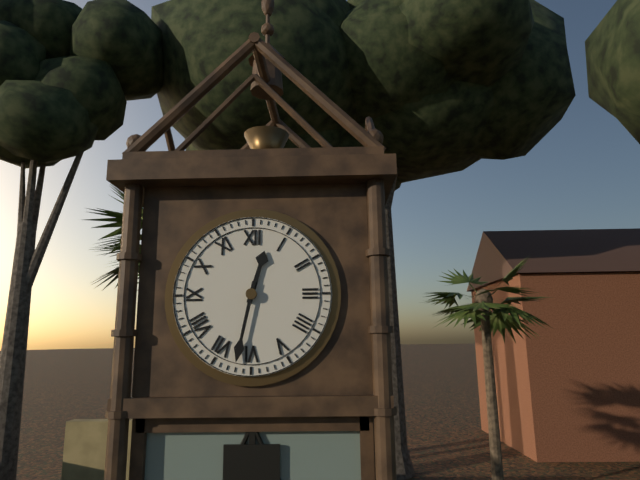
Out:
12 h 32 min
